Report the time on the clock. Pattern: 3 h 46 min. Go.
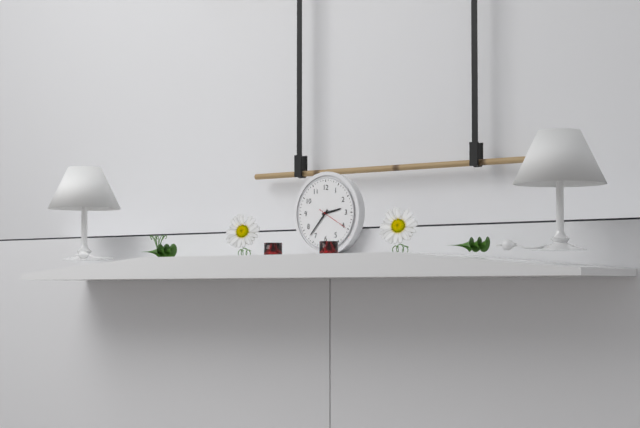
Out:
2 h 37 min
